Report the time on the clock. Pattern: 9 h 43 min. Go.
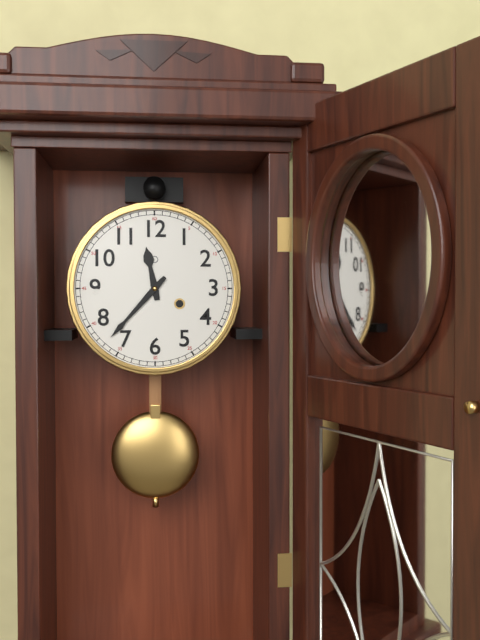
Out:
11 h 37 min
